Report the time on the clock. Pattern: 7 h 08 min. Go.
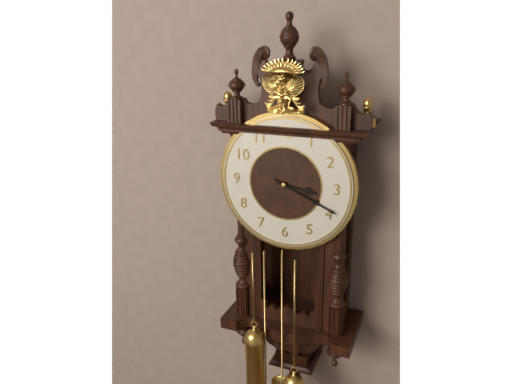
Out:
3 h 19 min
